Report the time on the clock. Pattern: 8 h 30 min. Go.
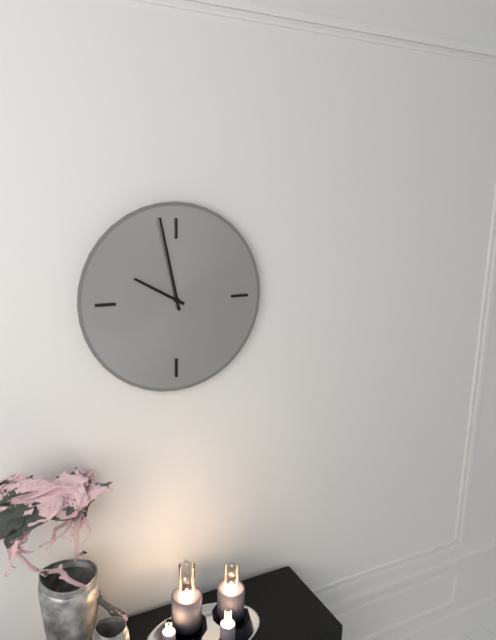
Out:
9 h 58 min
